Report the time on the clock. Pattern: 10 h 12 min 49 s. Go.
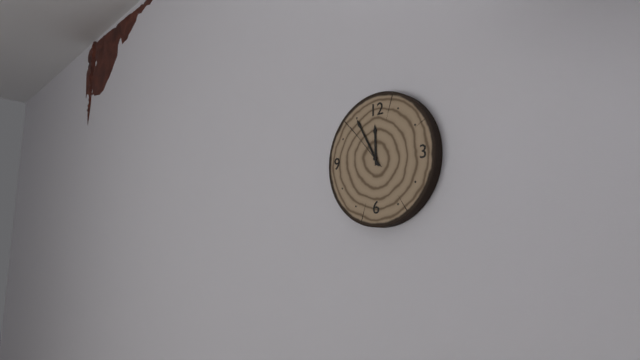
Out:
11 h 55 min 53 s
